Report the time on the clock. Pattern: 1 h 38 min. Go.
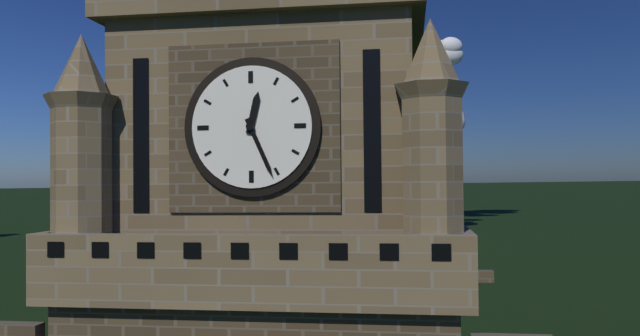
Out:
12 h 26 min
